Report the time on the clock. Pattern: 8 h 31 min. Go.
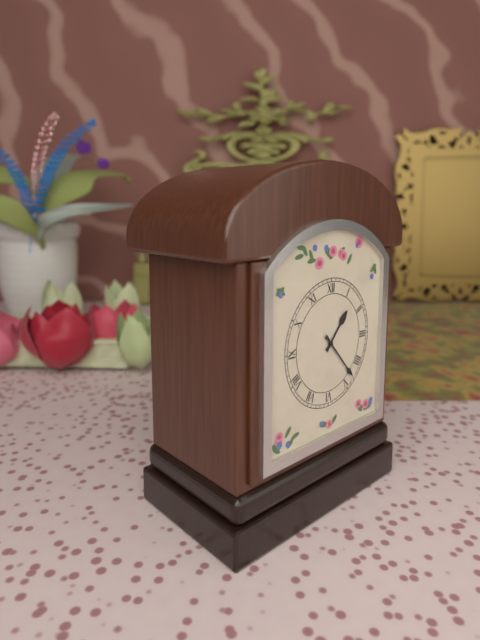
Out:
1 h 23 min
